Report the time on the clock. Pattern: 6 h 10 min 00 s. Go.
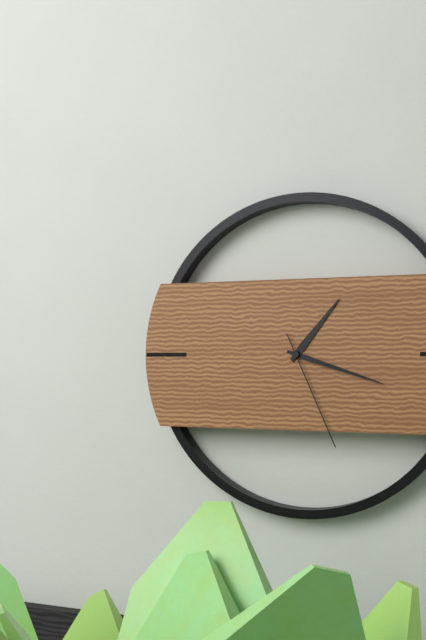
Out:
1 h 18 min 26 s
